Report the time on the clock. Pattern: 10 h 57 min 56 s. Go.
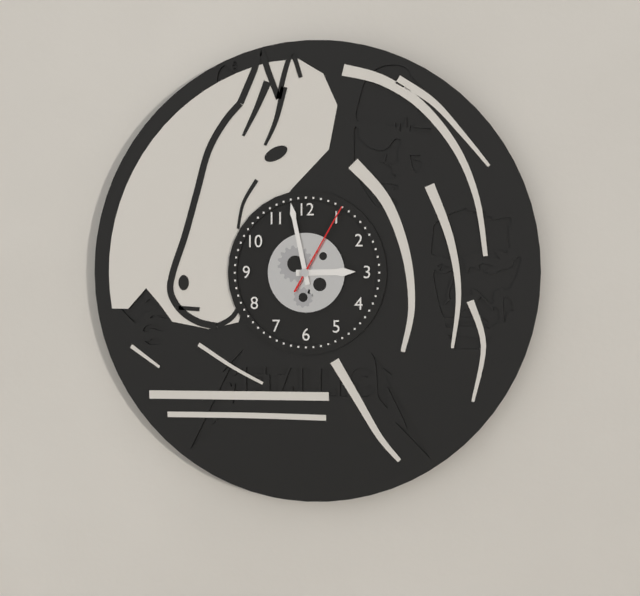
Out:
2 h 58 min 05 s
